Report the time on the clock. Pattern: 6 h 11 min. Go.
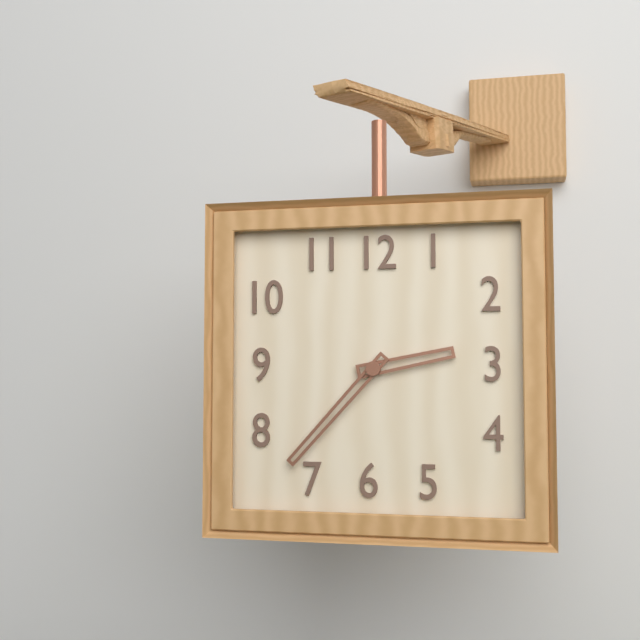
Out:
2 h 37 min
